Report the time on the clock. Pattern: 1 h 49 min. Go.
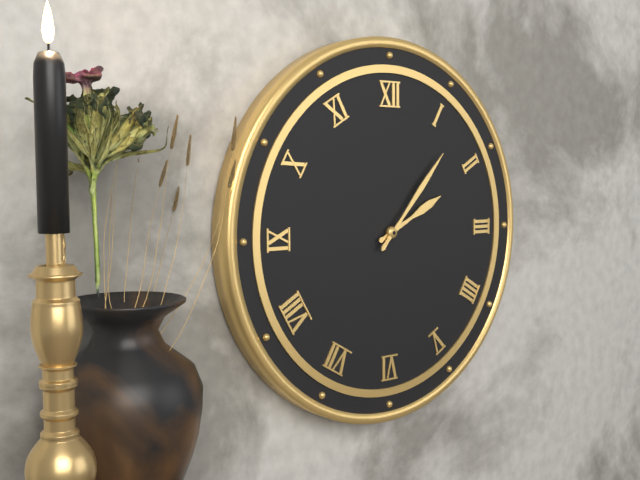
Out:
2 h 07 min
